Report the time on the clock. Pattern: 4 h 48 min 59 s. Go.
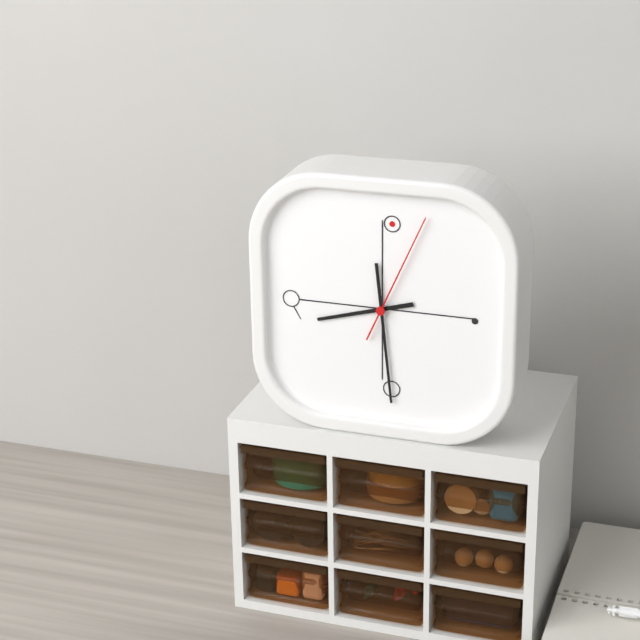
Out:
8 h 29 min 04 s
